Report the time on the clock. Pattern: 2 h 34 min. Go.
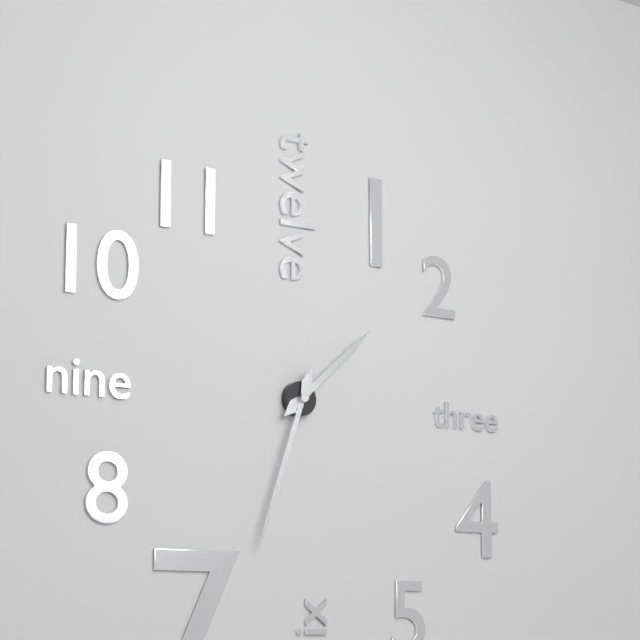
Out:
1 h 33 min
